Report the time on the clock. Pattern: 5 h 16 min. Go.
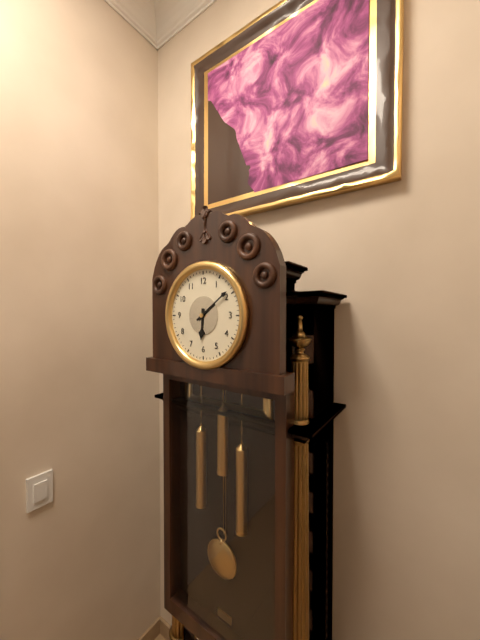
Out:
6 h 09 min
